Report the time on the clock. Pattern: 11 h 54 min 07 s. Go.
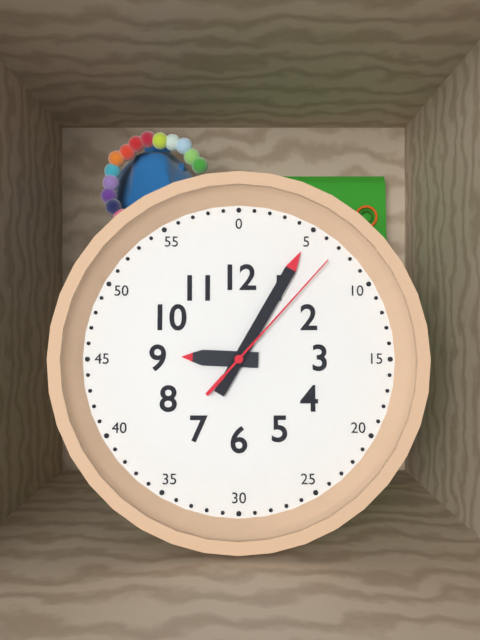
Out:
9 h 05 min 07 s
